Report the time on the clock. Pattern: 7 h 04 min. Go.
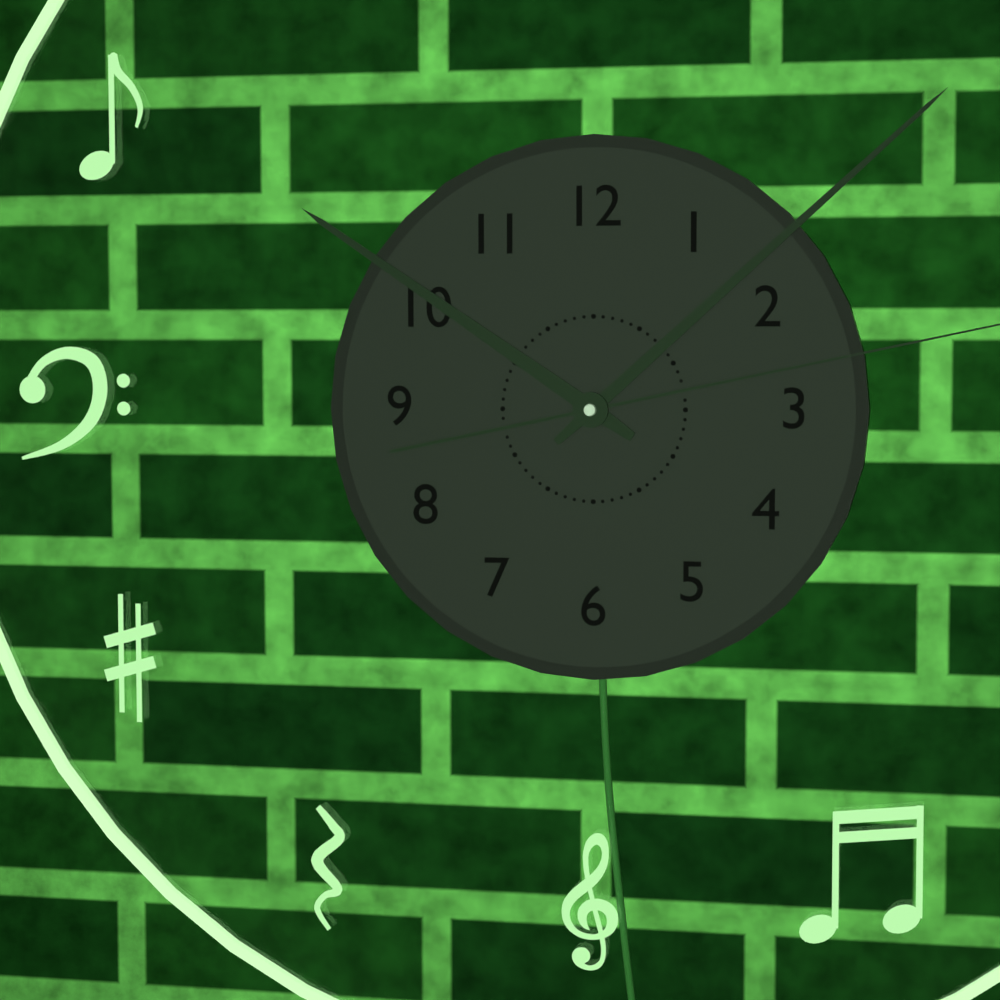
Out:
10 h 08 min
